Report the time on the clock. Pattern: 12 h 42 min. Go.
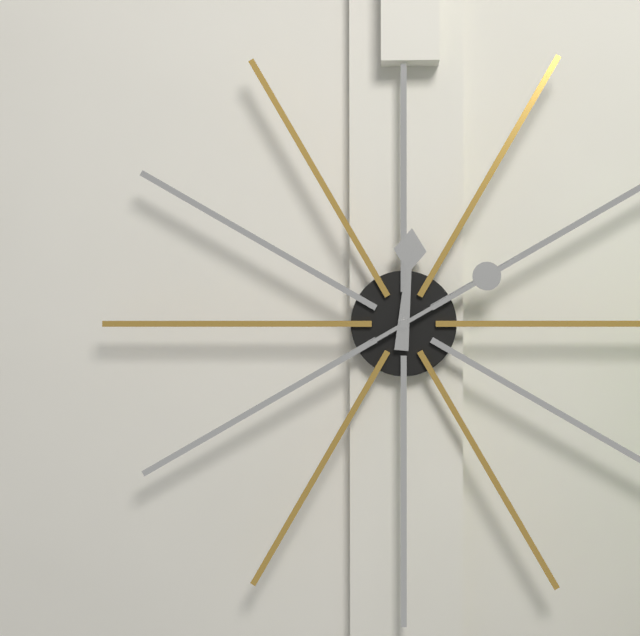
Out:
12 h 10 min
